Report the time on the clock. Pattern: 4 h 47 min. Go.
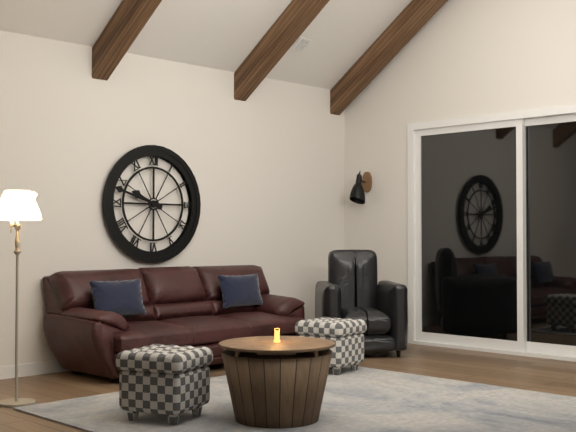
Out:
9 h 48 min
